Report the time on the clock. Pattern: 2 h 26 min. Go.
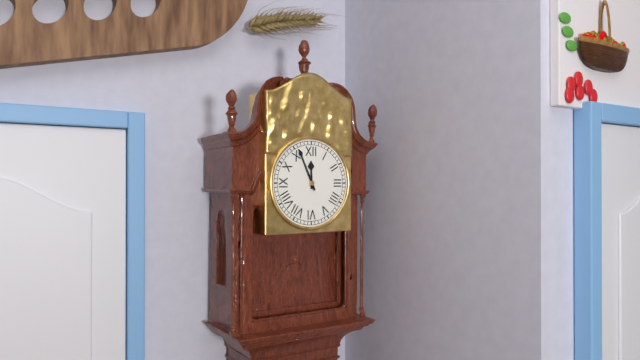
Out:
11 h 56 min
